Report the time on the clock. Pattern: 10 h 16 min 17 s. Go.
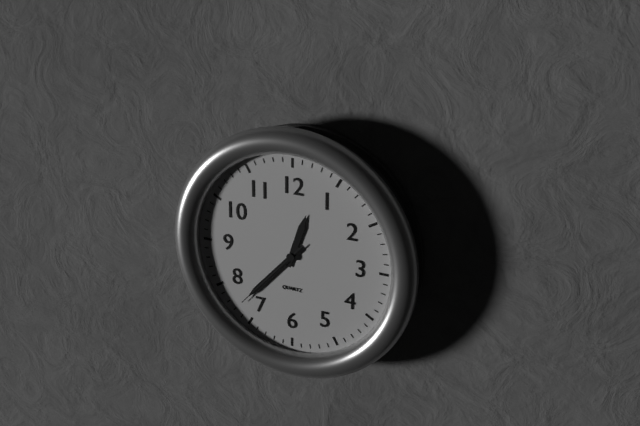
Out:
12 h 37 min 37 s
